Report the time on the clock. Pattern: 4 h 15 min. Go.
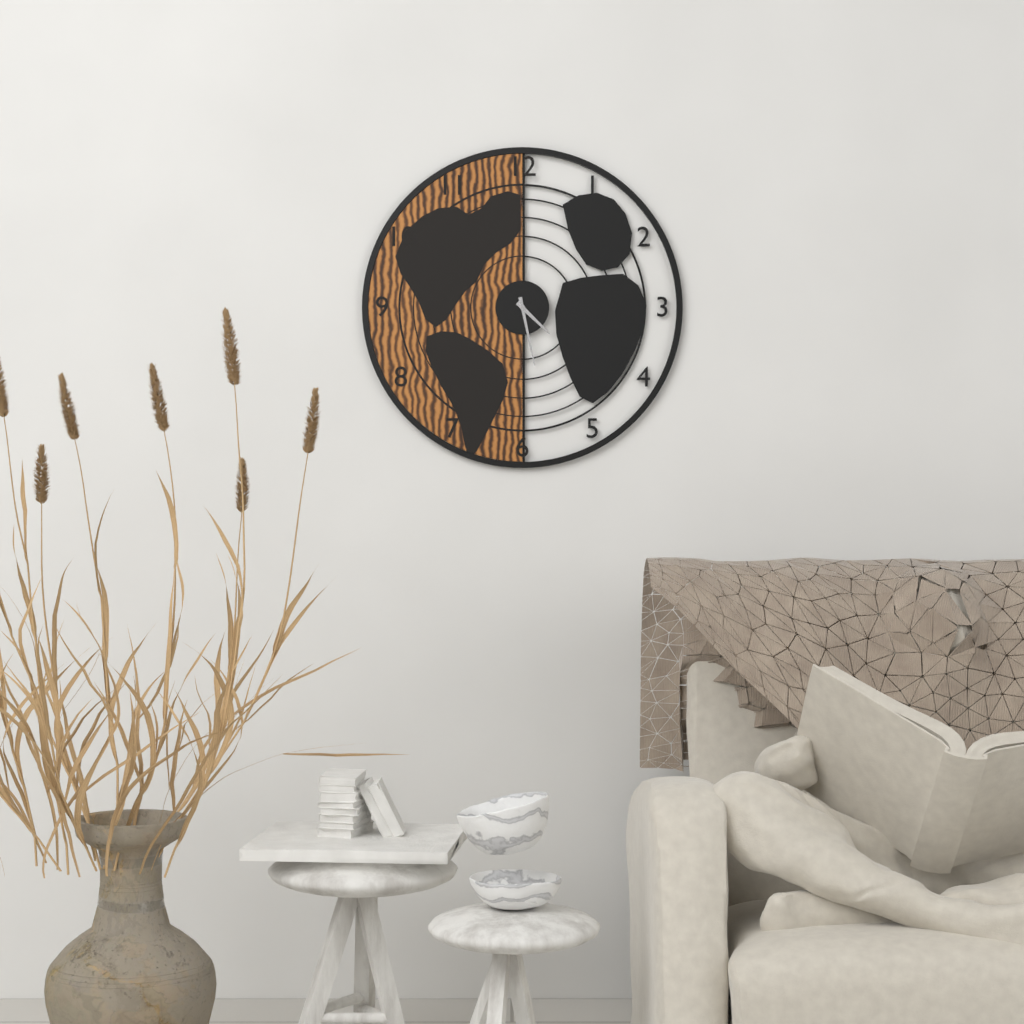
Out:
4 h 28 min
